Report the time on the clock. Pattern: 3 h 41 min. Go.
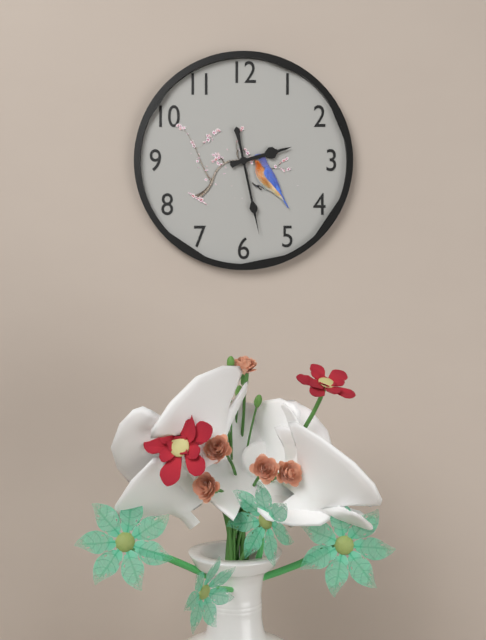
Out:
2 h 28 min
